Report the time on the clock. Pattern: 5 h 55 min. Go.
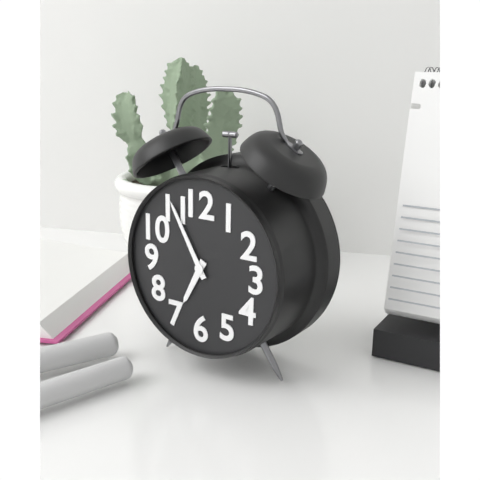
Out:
6 h 55 min
